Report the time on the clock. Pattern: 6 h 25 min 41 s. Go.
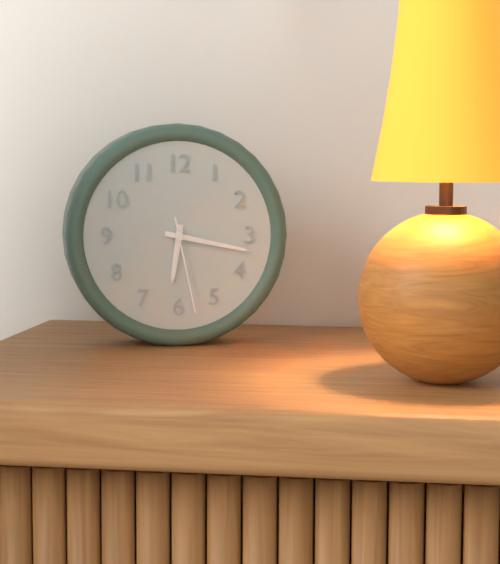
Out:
6 h 17 min 28 s
